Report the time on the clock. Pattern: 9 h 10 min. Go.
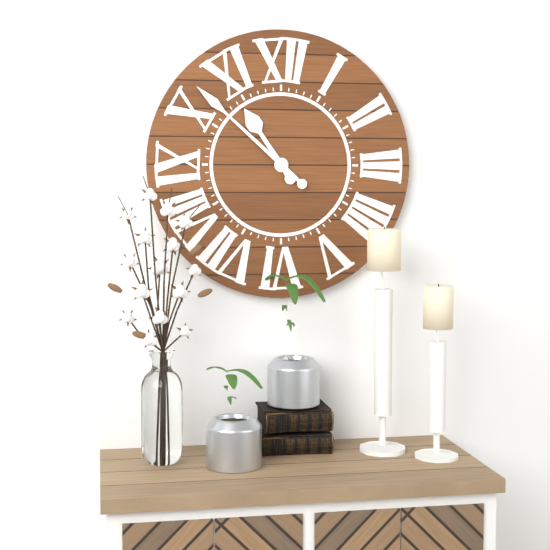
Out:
10 h 52 min
